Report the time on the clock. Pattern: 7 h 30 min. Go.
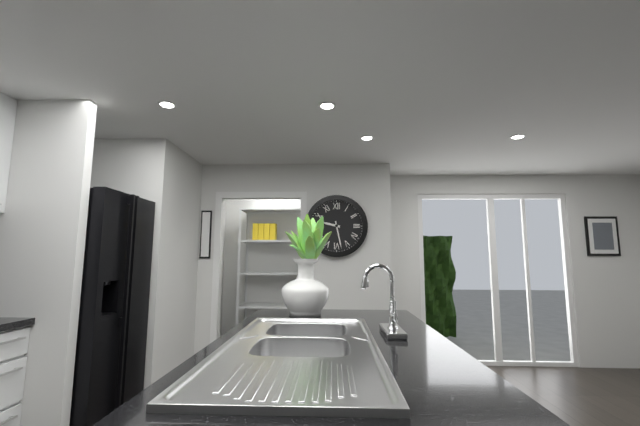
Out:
9 h 28 min
